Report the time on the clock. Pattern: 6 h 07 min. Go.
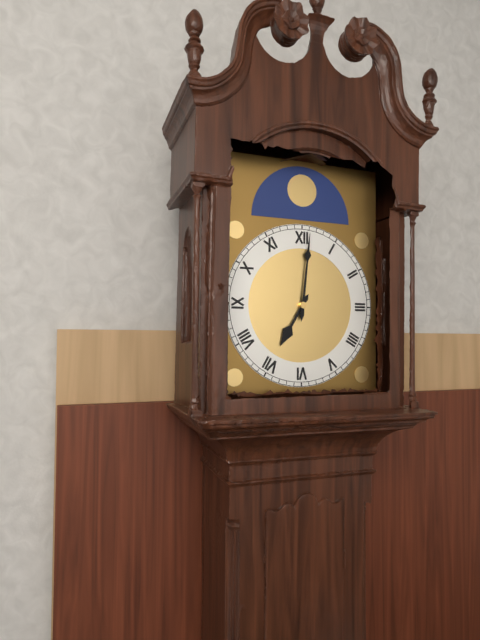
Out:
7 h 01 min
